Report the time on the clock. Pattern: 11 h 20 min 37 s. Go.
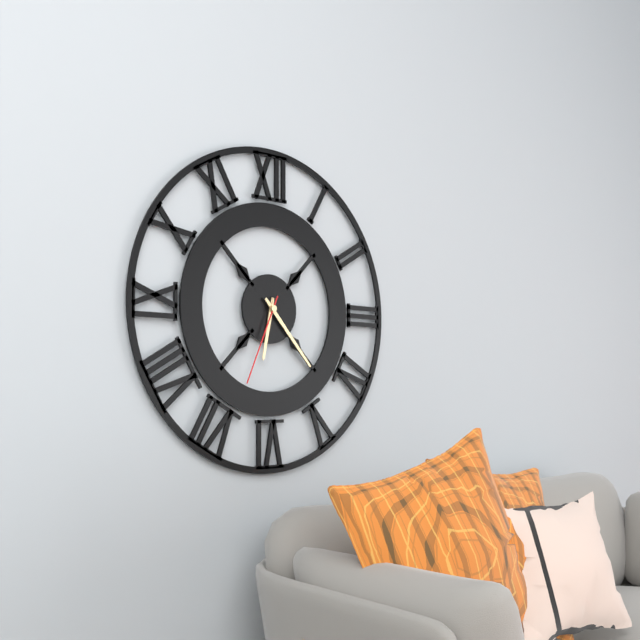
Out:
6 h 23 min 34 s
